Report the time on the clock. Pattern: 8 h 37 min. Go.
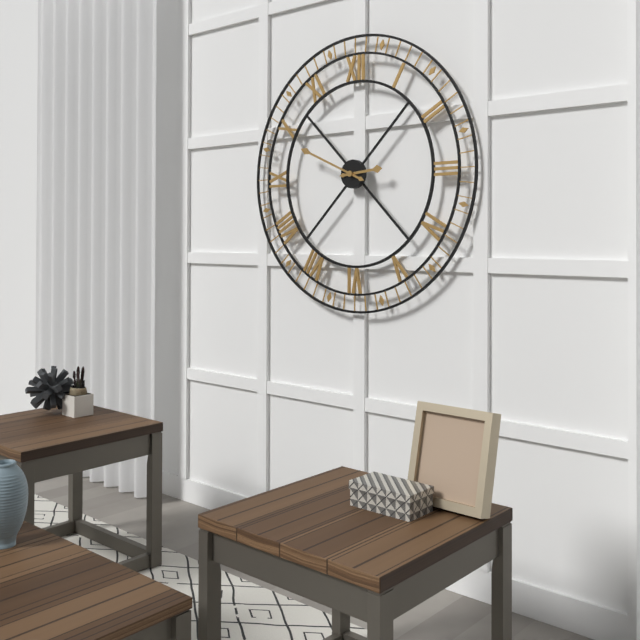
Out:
2 h 49 min
